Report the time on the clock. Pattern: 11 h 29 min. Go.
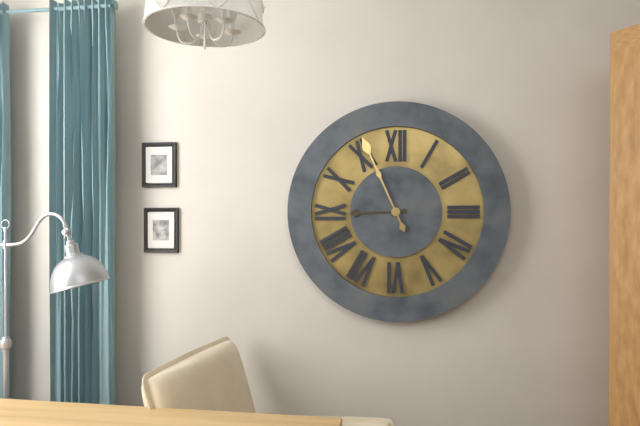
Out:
8 h 56 min
